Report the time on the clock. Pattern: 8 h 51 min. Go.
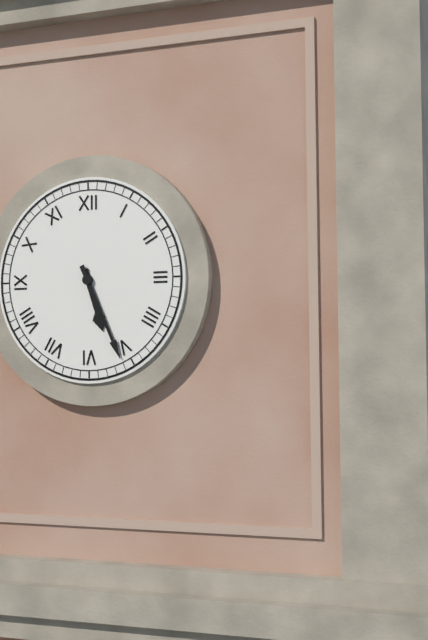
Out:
5 h 26 min
